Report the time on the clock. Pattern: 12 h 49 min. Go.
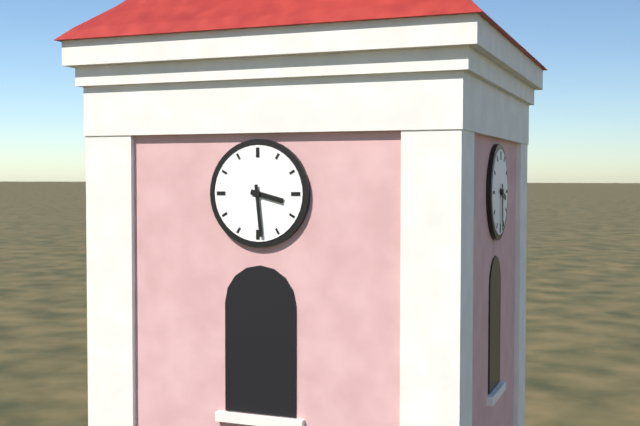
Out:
3 h 29 min
